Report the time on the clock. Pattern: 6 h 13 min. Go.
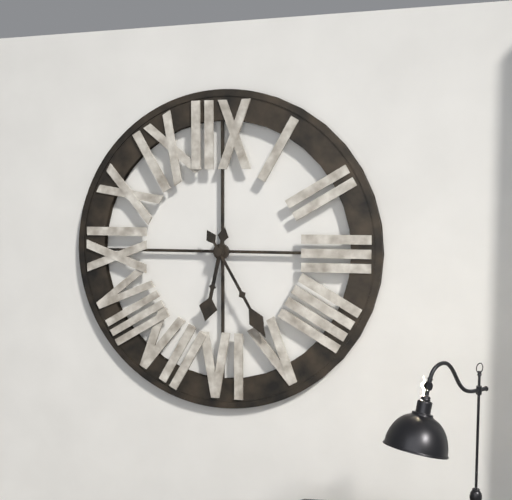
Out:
6 h 25 min
